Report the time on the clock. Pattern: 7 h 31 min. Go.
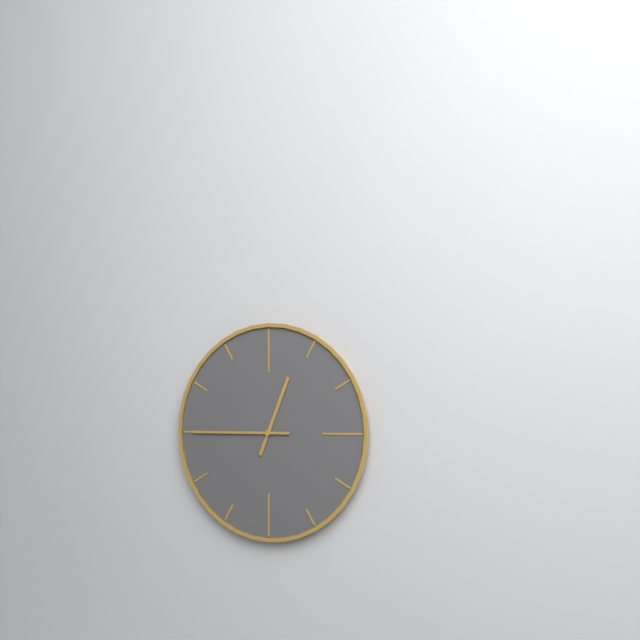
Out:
12 h 45 min
